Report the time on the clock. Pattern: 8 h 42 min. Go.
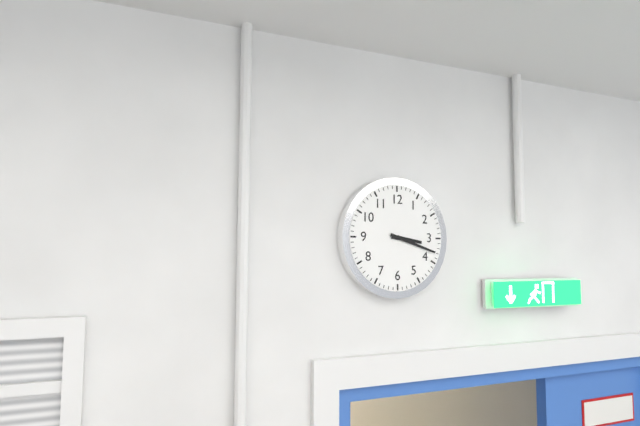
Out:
3 h 18 min
